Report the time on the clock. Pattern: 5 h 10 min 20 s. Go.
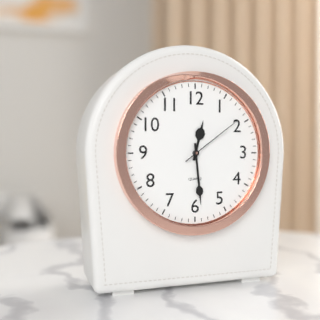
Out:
12 h 29 min 09 s
